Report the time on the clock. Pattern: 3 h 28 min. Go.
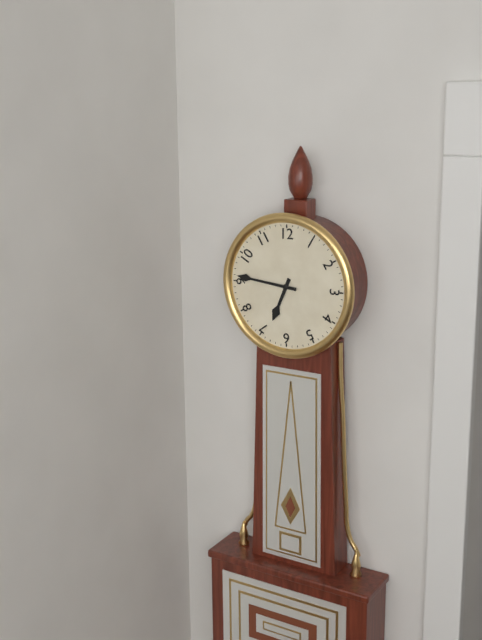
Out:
6 h 46 min
